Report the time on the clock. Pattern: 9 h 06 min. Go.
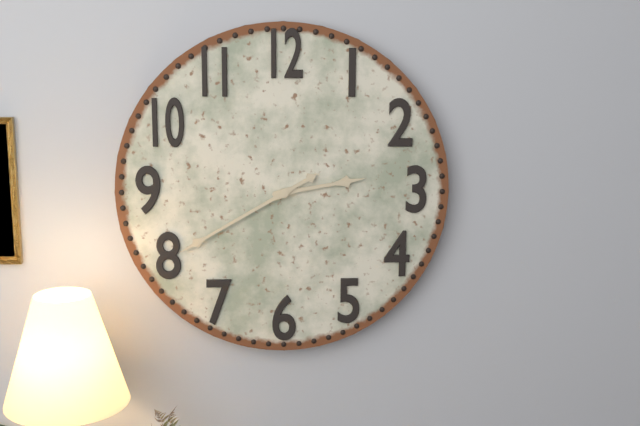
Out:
2 h 40 min
